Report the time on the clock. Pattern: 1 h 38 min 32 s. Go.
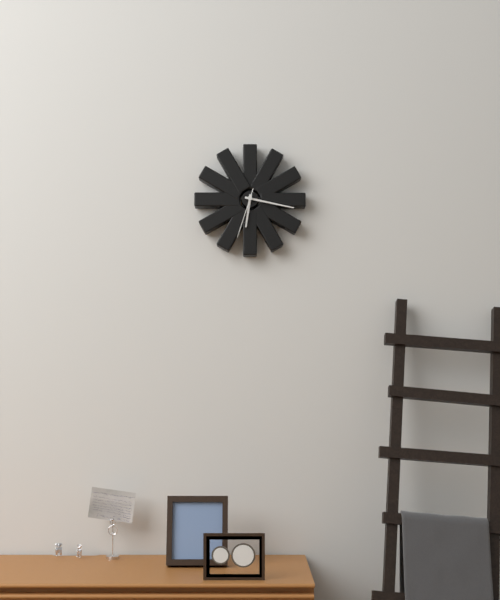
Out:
6 h 17 min 33 s
